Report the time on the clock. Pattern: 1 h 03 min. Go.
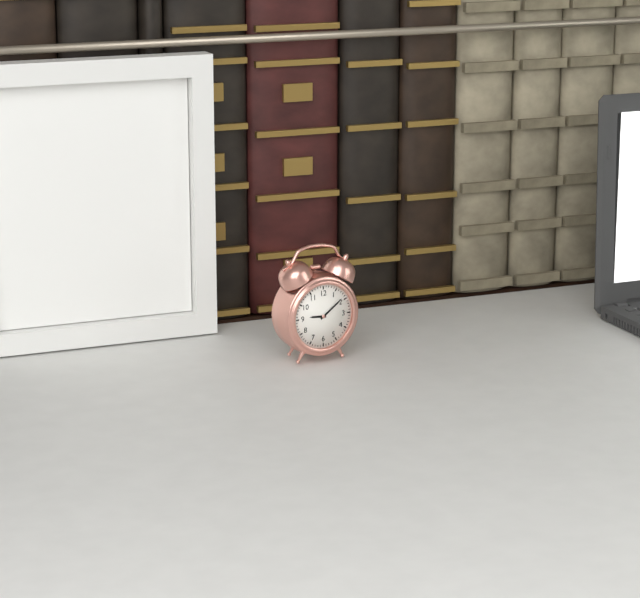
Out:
9 h 09 min
